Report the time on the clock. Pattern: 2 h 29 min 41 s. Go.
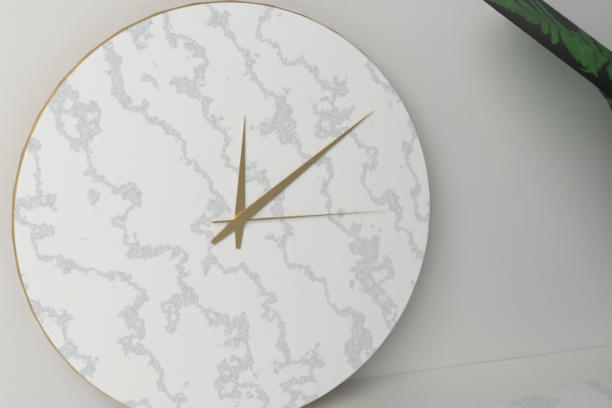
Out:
12 h 09 min 15 s
